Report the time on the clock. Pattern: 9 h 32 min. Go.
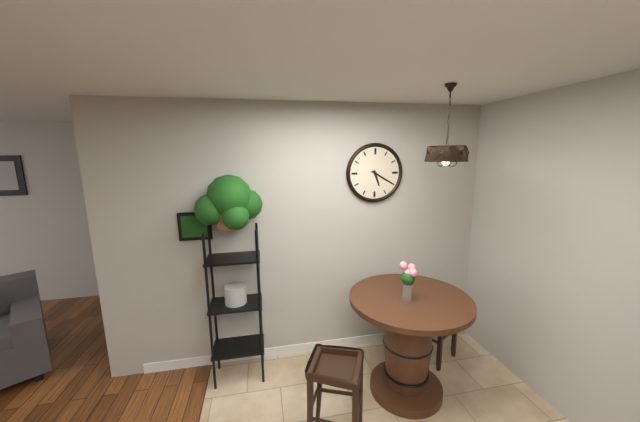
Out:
5 h 20 min
